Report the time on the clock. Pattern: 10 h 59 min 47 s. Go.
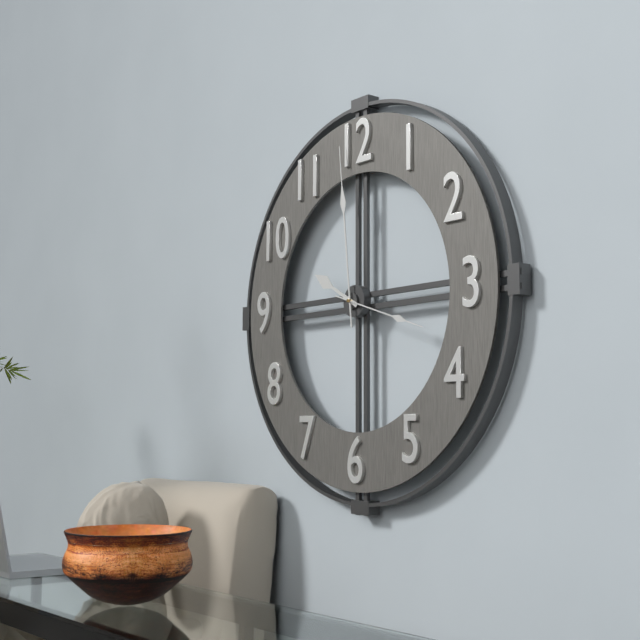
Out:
9 h 59 min 18 s
